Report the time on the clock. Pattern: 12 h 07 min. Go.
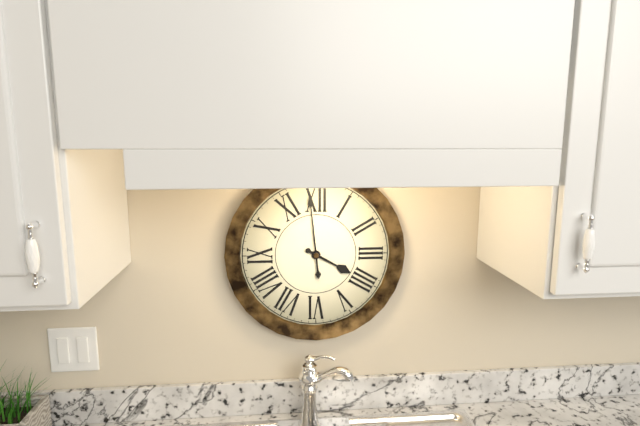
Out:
3 h 59 min
